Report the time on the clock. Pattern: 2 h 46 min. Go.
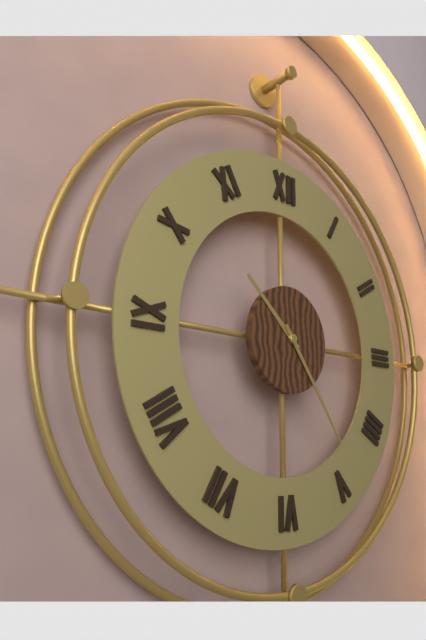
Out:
10 h 24 min
